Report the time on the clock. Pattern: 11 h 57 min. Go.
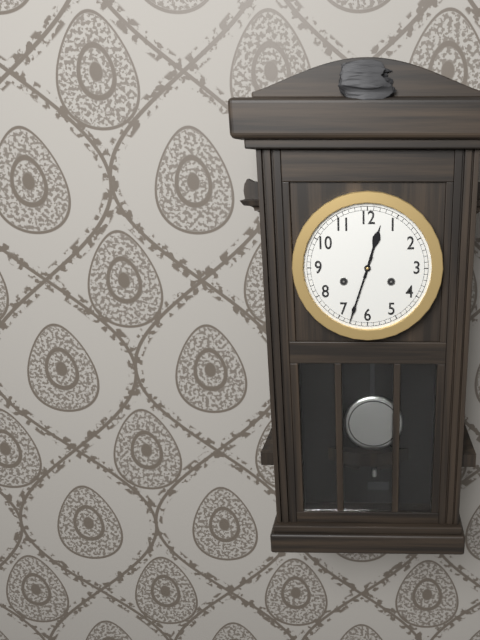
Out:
12 h 33 min
